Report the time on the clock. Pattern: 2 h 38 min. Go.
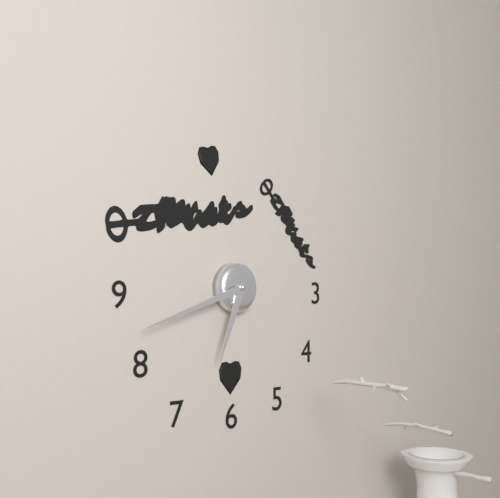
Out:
6 h 42 min
